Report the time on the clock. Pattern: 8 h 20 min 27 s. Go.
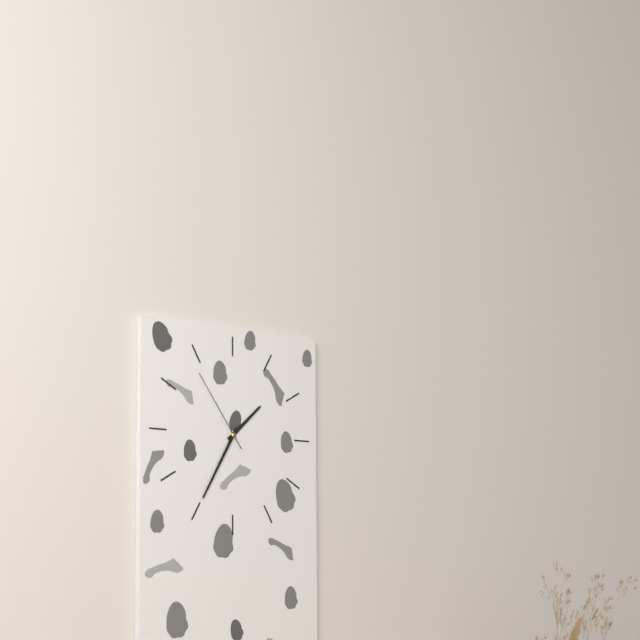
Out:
1 h 35 min 54 s
